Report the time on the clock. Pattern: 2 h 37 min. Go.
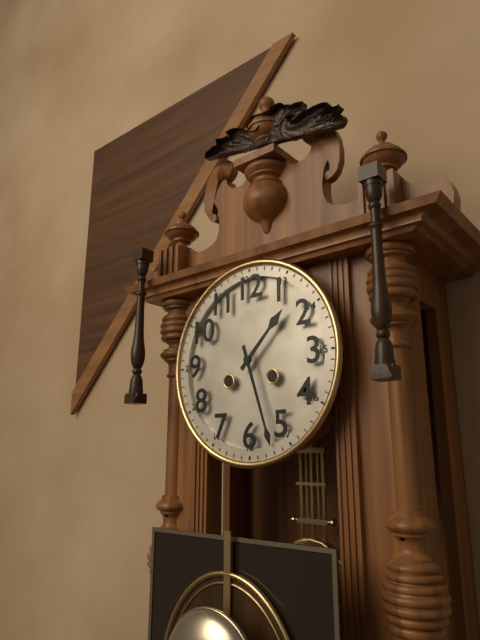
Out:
1 h 27 min
